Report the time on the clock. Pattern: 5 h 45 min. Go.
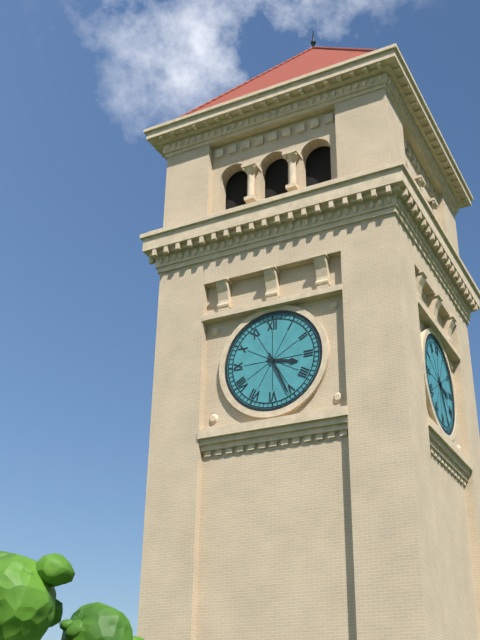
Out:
3 h 26 min
